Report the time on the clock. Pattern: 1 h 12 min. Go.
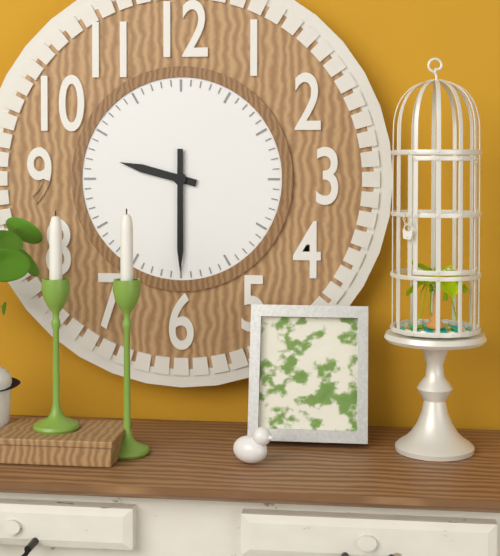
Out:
9 h 30 min
